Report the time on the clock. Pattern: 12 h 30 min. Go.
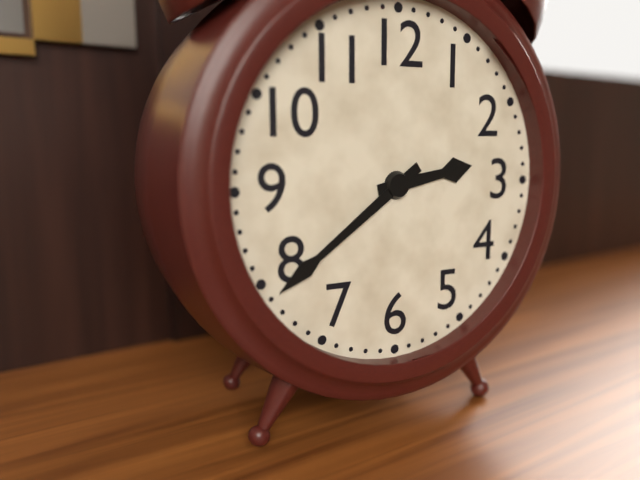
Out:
2 h 39 min
